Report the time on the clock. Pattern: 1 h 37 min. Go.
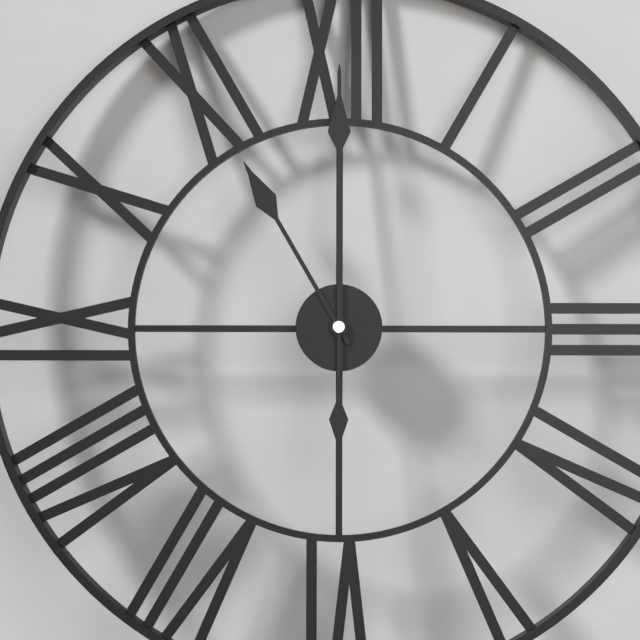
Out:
11 h 00 min
